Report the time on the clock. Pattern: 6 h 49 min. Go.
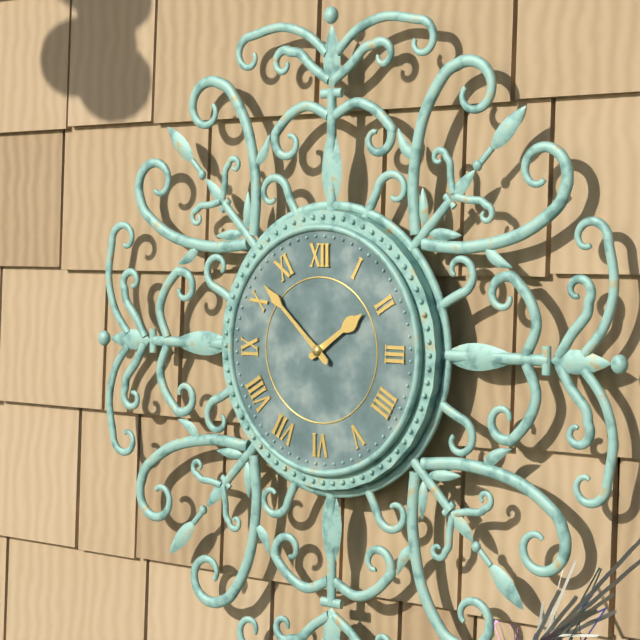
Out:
1 h 52 min
